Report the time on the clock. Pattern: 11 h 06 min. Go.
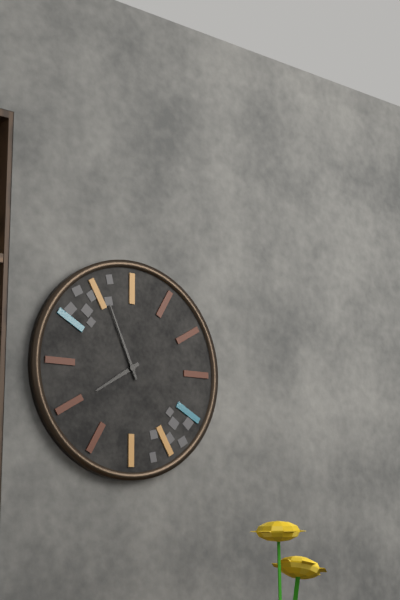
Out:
7 h 56 min
